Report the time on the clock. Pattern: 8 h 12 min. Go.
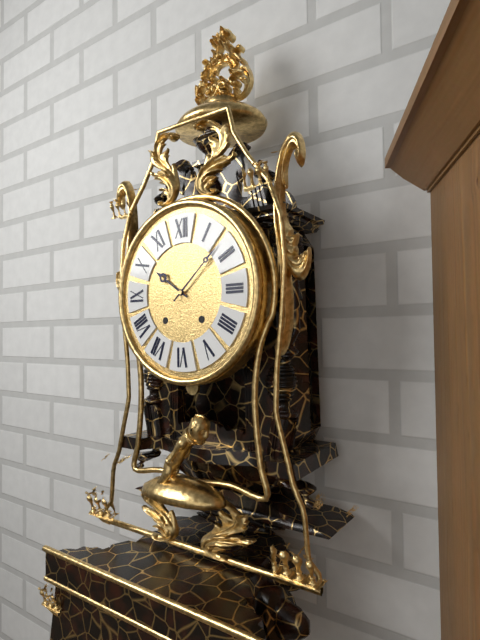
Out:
10 h 08 min
